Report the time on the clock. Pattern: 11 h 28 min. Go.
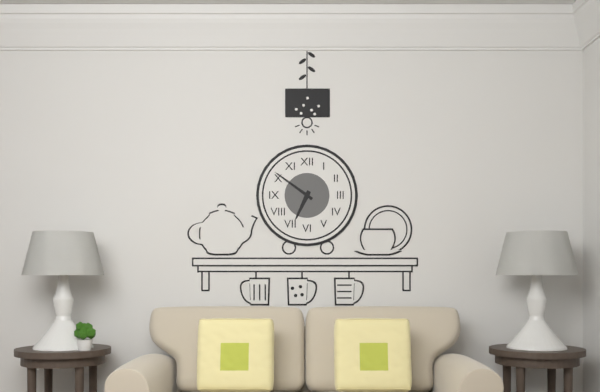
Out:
6 h 51 min
